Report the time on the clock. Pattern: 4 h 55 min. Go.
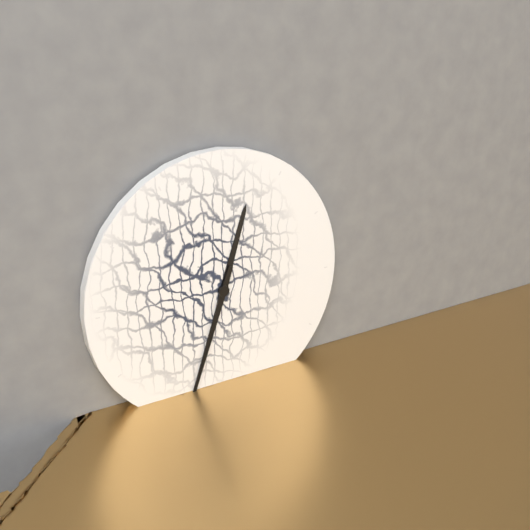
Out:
12 h 33 min
